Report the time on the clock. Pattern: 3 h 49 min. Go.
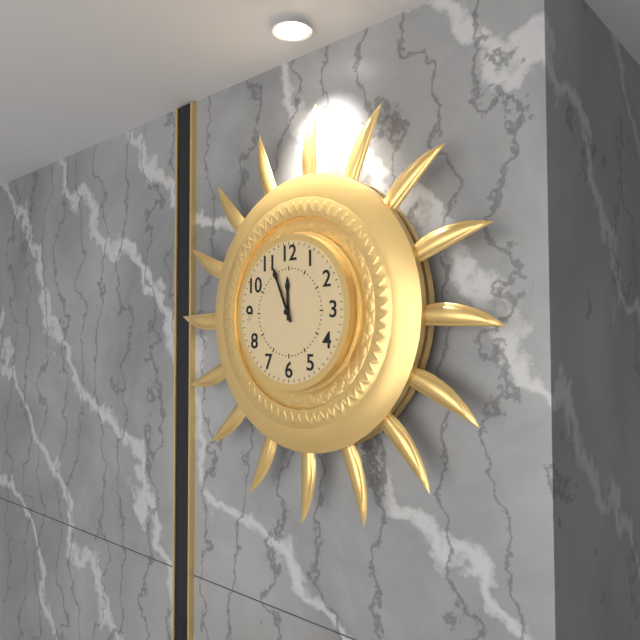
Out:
11 h 56 min
